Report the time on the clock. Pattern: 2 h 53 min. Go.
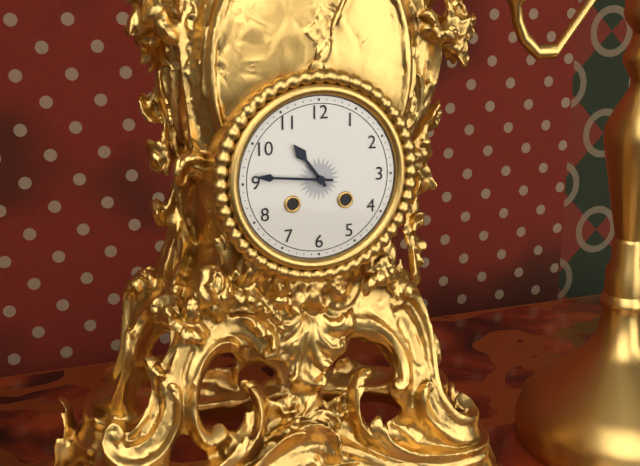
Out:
10 h 46 min
